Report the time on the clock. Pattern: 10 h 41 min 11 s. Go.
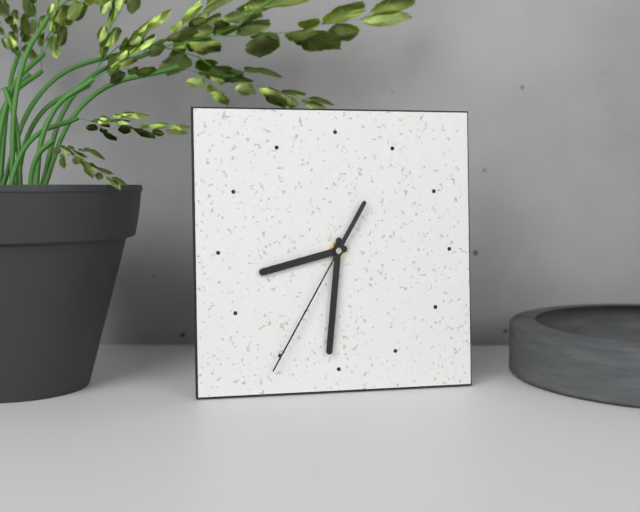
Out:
8 h 31 min 35 s
